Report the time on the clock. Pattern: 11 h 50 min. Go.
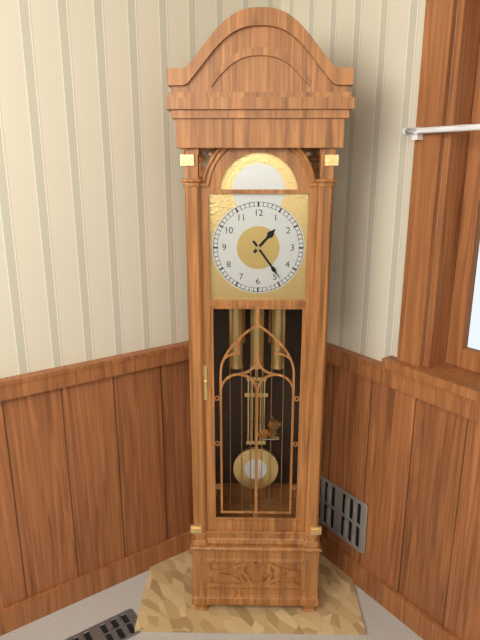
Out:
1 h 24 min
